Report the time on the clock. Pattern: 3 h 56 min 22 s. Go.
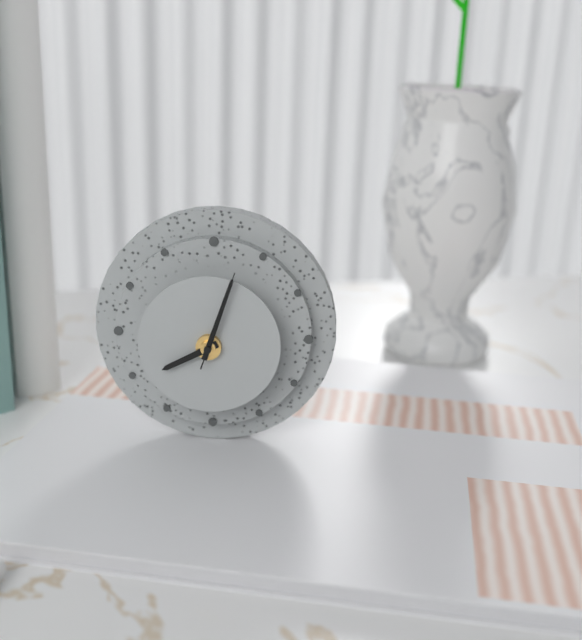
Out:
8 h 03 min 03 s
